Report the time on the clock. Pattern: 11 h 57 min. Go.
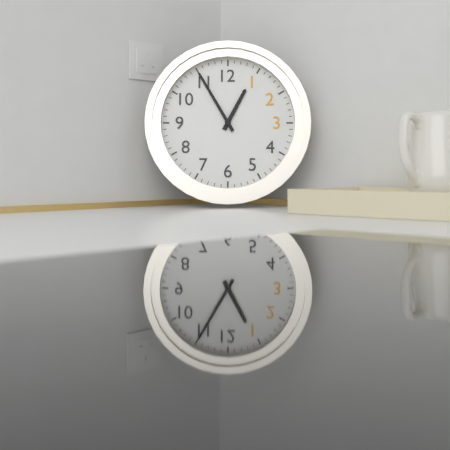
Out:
12 h 55 min
